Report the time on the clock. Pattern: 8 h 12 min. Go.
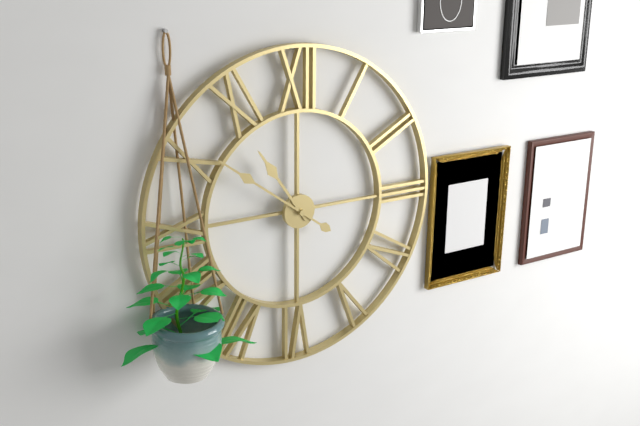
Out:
10 h 51 min
